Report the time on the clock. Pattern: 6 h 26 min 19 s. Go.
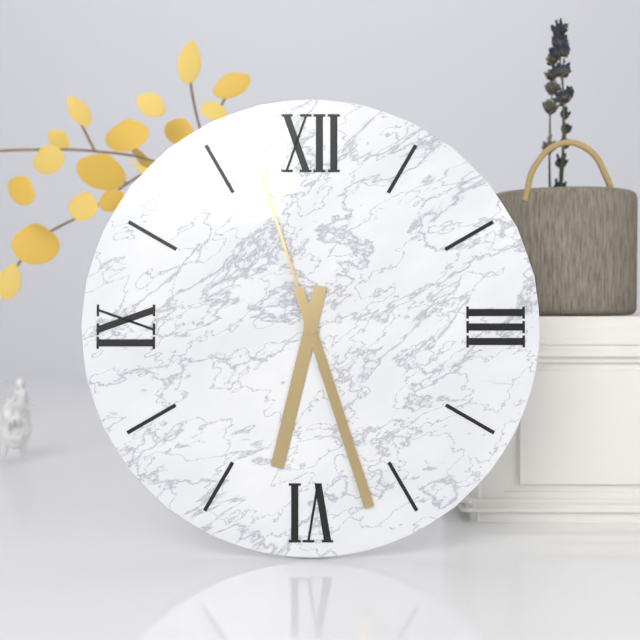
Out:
6 h 27 min 57 s
